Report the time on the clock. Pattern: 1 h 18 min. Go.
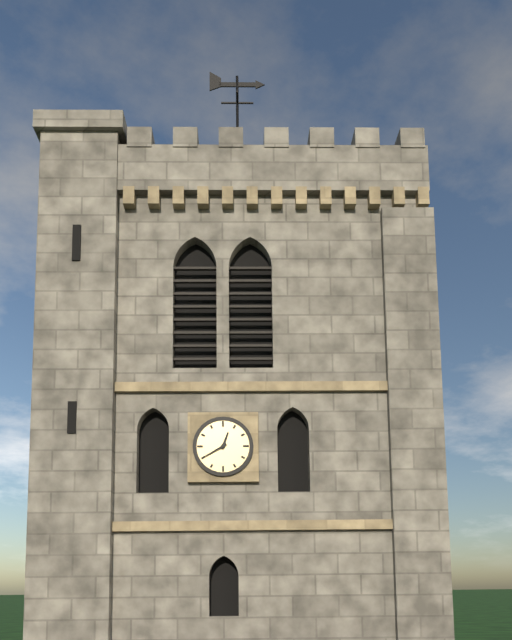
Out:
12 h 40 min
